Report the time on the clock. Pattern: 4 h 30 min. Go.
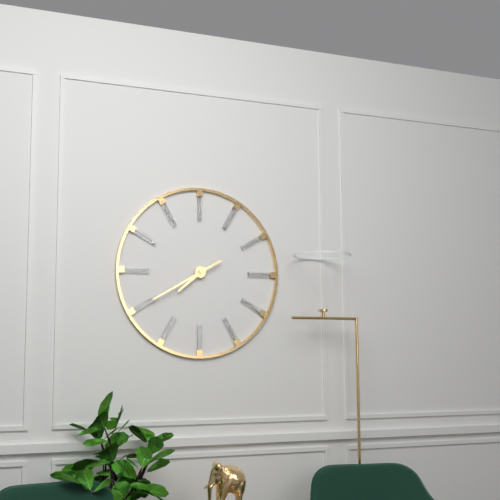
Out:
7 h 40 min
